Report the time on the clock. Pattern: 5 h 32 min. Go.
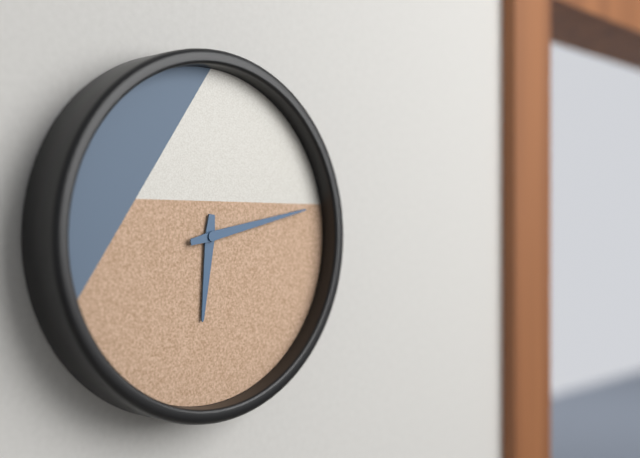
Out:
6 h 13 min
